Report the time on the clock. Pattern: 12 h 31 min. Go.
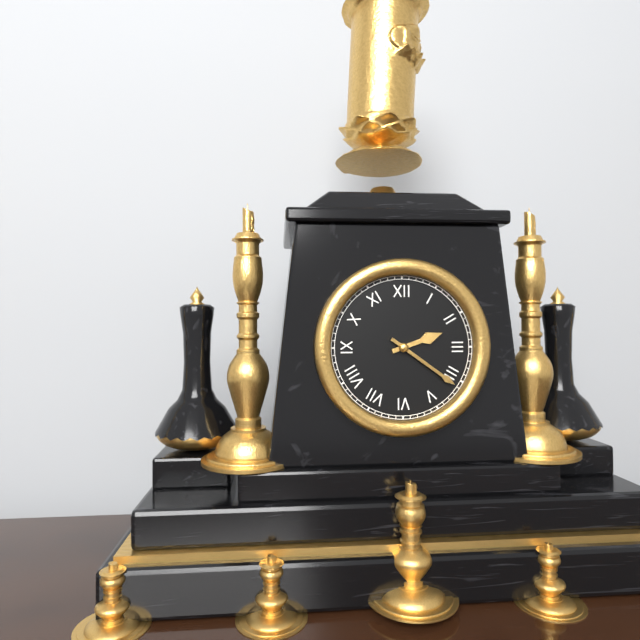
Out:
2 h 21 min
